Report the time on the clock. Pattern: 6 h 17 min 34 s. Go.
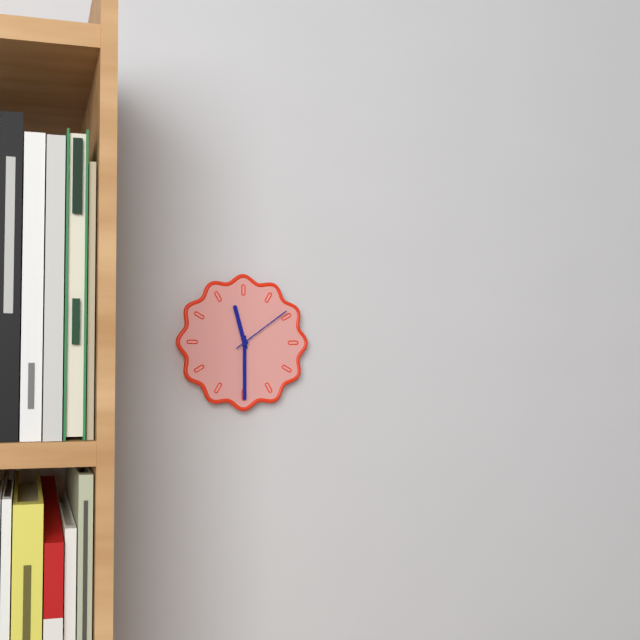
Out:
11 h 30 min 09 s
